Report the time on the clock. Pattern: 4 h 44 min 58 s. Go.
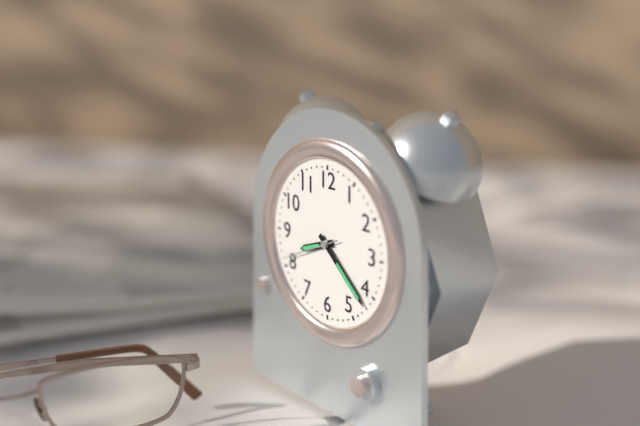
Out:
8 h 22 min 41 s
